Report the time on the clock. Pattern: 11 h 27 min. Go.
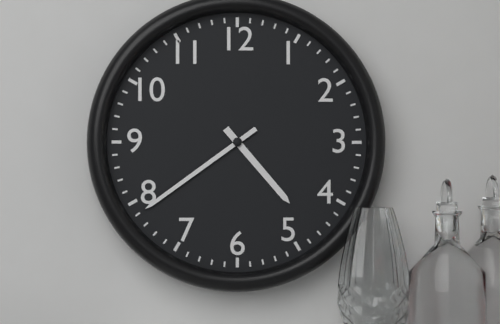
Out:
4 h 39 min
